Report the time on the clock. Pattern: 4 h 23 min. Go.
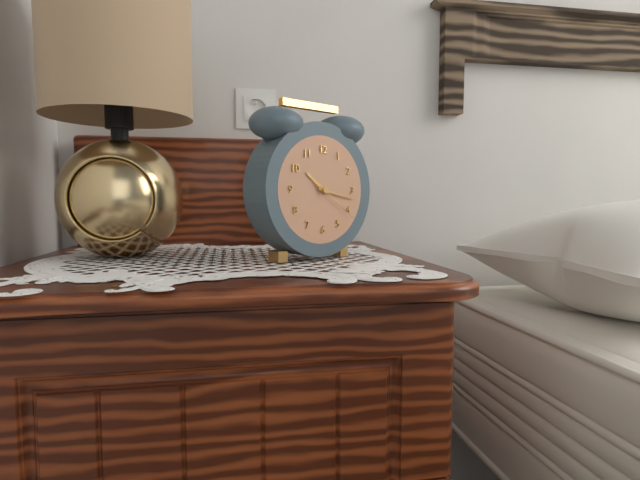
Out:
10 h 17 min
